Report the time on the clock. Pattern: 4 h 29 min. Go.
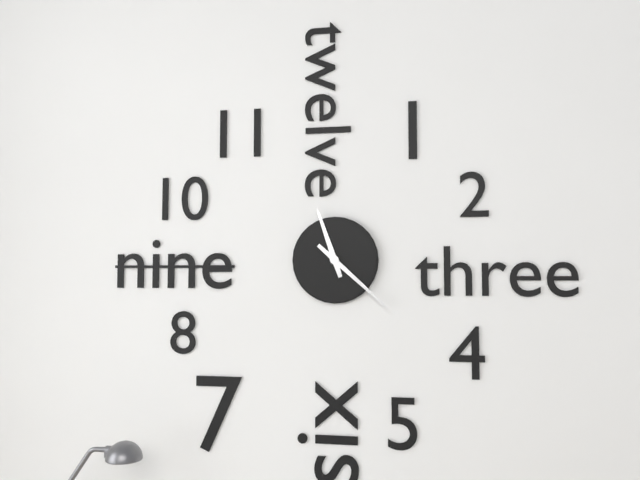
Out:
11 h 22 min
